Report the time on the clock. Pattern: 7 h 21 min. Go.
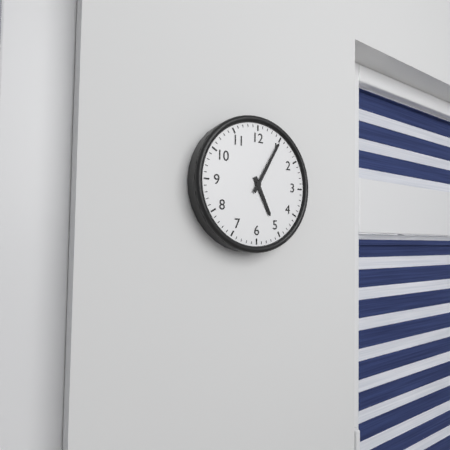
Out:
5 h 05 min
